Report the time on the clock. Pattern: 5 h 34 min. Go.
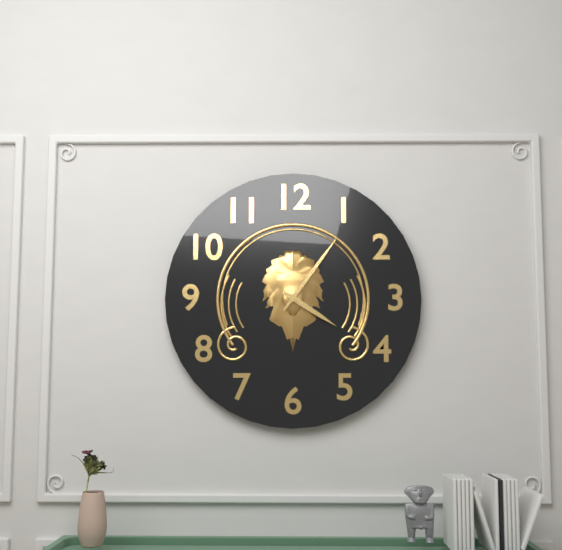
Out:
4 h 06 min
